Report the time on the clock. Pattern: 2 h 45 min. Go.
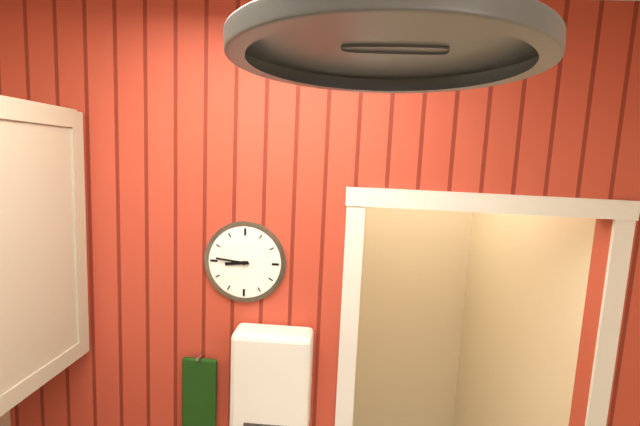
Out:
8 h 46 min
